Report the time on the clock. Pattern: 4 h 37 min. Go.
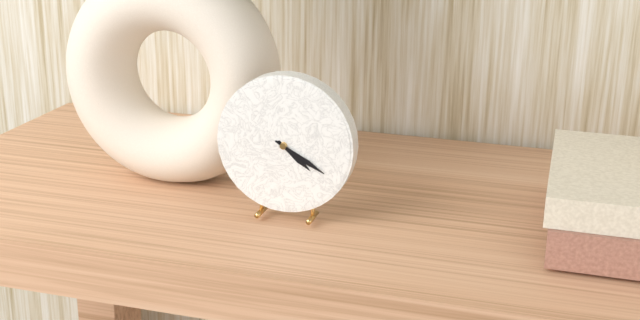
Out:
4 h 20 min
